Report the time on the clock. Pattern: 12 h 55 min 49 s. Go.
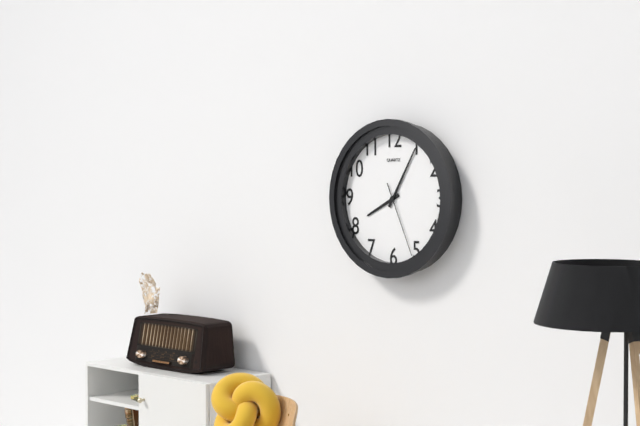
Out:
8 h 05 min 26 s
